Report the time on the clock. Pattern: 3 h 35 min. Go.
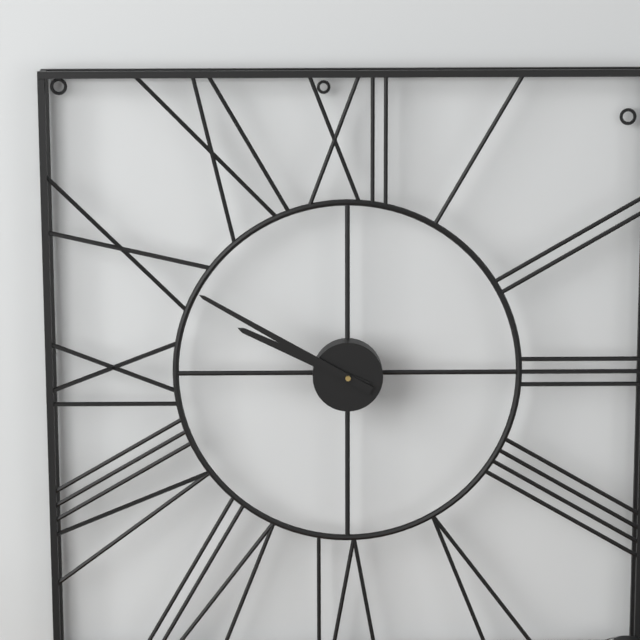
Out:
9 h 50 min
